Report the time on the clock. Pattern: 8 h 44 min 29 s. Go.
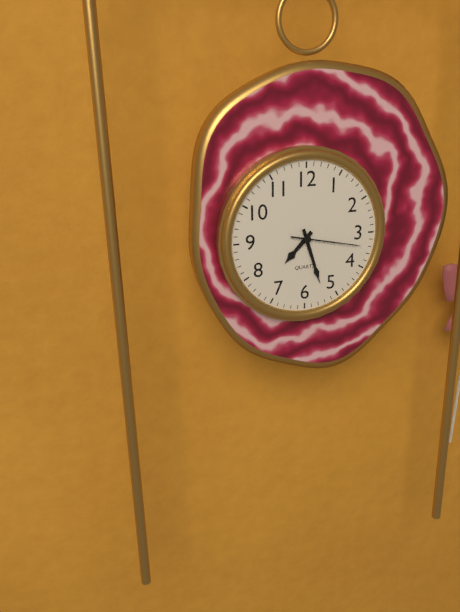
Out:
7 h 27 min 17 s
